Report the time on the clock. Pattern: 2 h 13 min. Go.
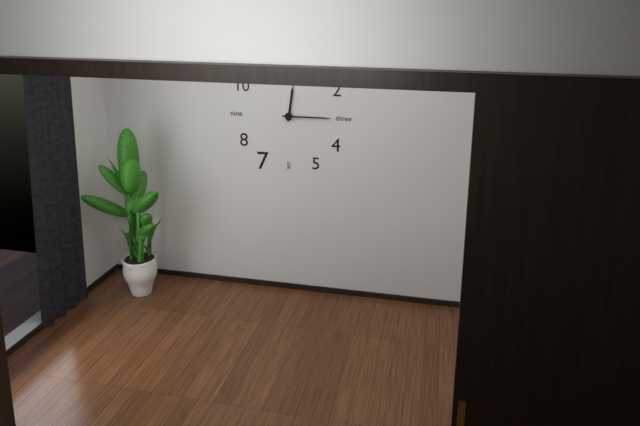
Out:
12 h 15 min
